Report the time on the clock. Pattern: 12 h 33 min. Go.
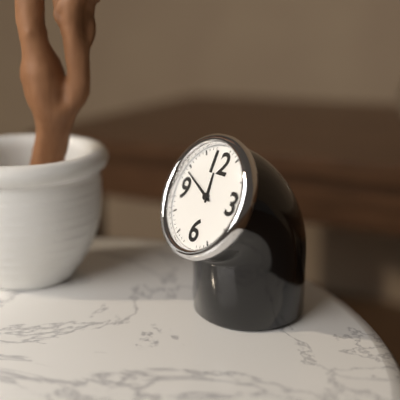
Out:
11 h 49 min
